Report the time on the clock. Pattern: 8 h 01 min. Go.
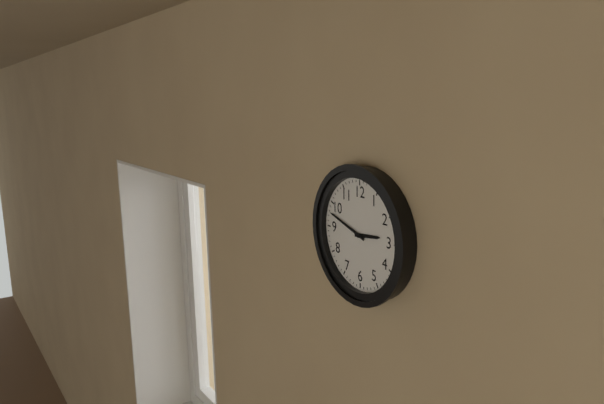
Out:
2 h 48 min
